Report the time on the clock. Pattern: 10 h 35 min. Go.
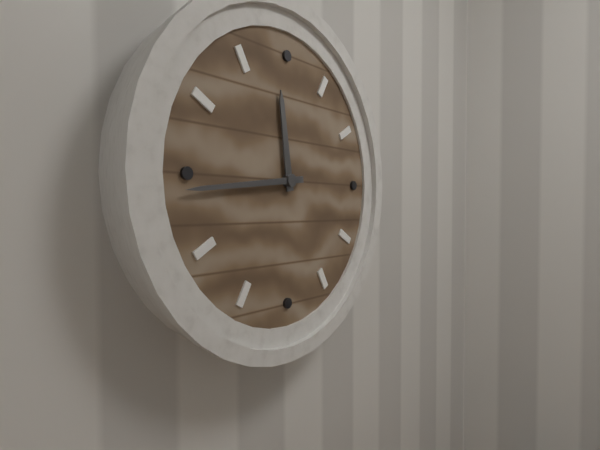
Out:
11 h 44 min
